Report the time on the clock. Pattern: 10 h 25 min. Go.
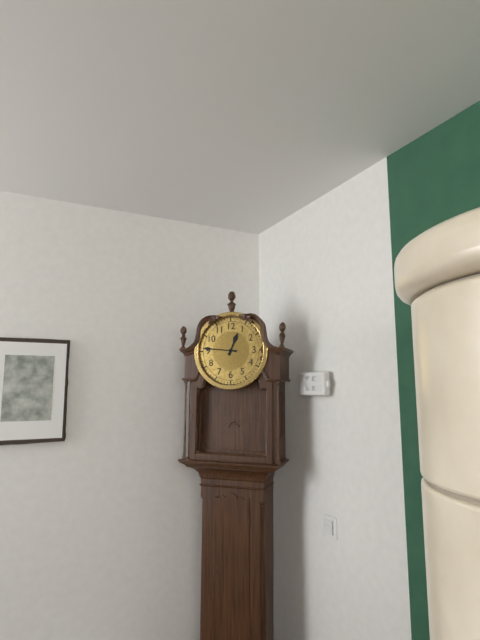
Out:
12 h 46 min
